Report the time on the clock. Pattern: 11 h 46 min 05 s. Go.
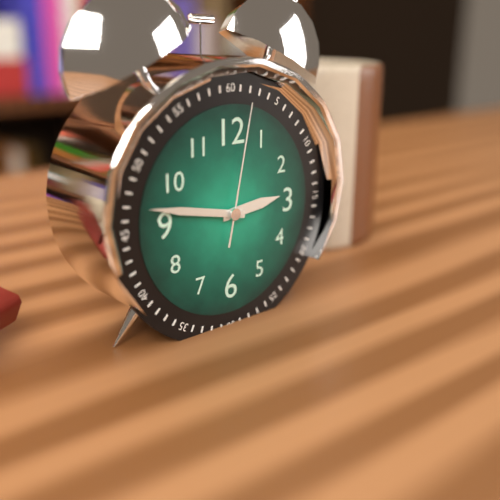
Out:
2 h 47 min 02 s
